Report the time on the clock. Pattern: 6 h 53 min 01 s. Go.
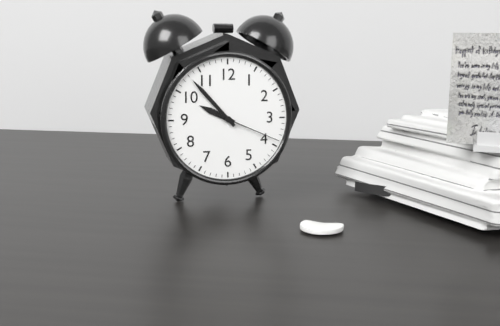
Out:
9 h 53 min 19 s
